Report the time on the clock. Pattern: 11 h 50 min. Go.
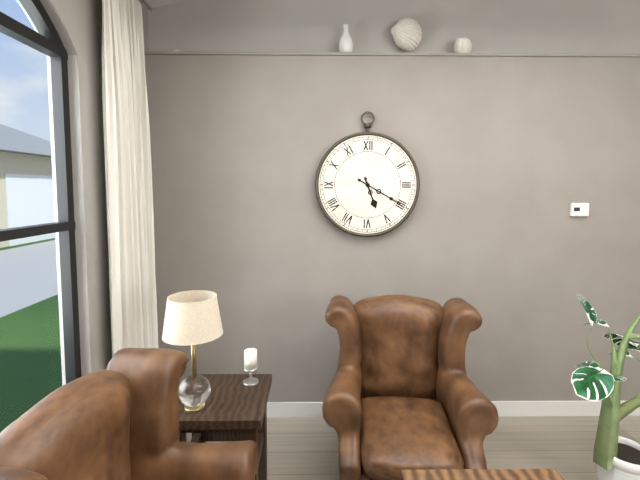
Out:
5 h 20 min
